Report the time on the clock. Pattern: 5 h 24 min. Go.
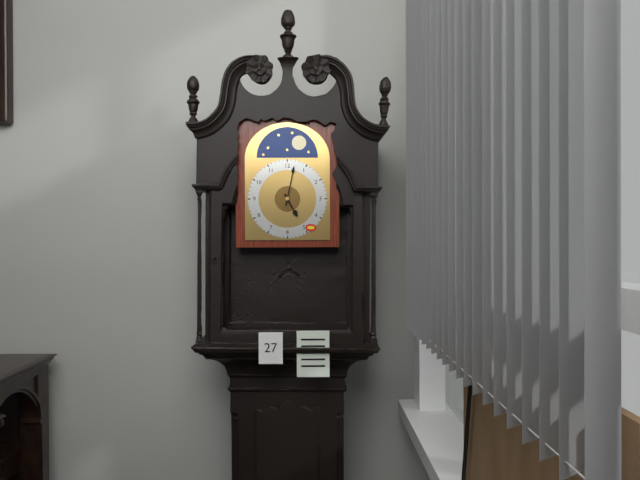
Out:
5 h 02 min
